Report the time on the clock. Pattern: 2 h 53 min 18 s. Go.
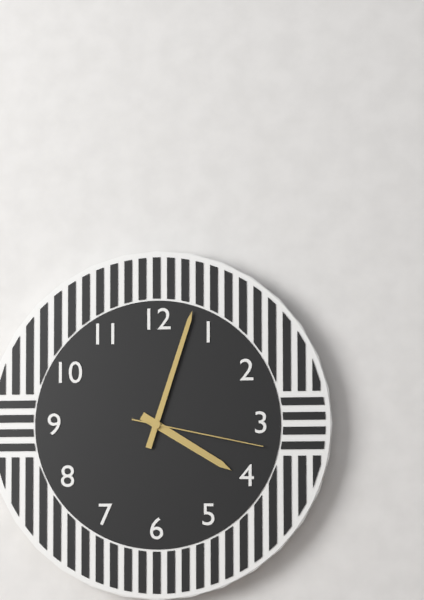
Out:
4 h 03 min 17 s
